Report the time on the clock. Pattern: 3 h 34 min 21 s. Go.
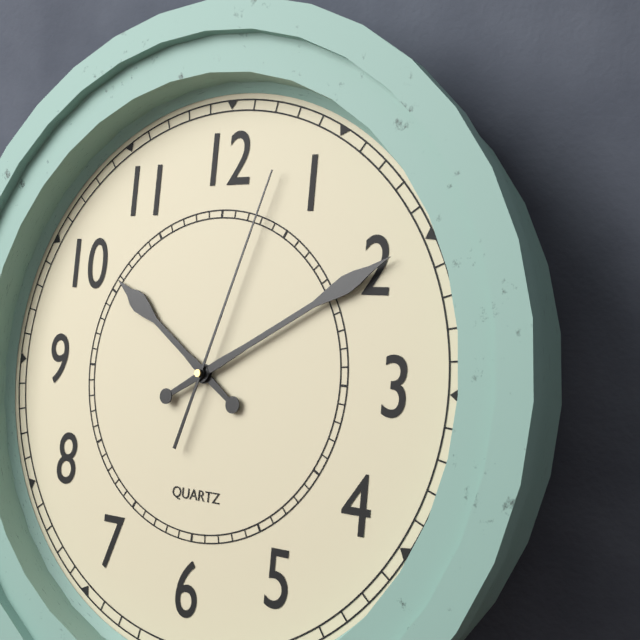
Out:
10 h 10 min 03 s
